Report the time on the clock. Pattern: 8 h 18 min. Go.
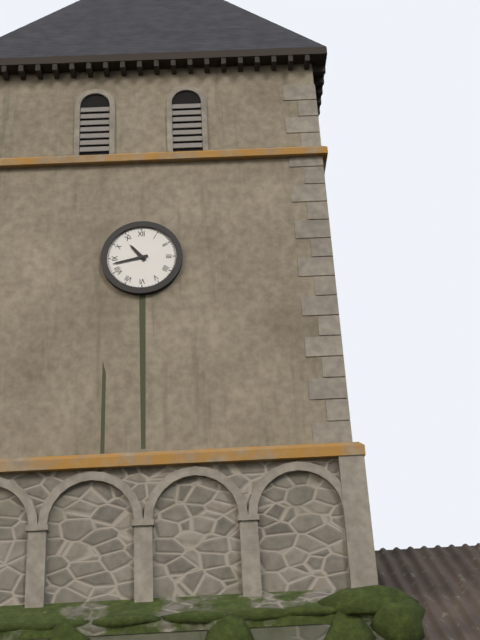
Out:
10 h 43 min
